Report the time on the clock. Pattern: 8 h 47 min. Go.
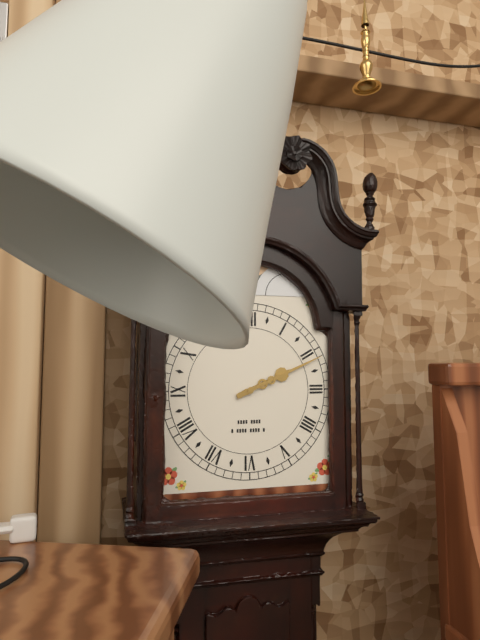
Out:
2 h 11 min
